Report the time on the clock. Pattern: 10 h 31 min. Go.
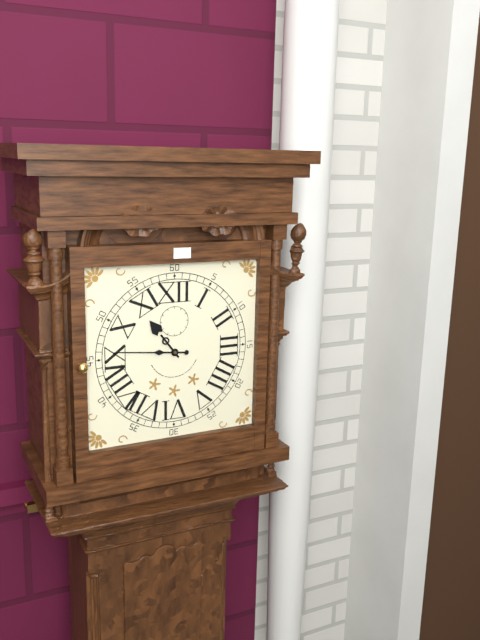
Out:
10 h 46 min
